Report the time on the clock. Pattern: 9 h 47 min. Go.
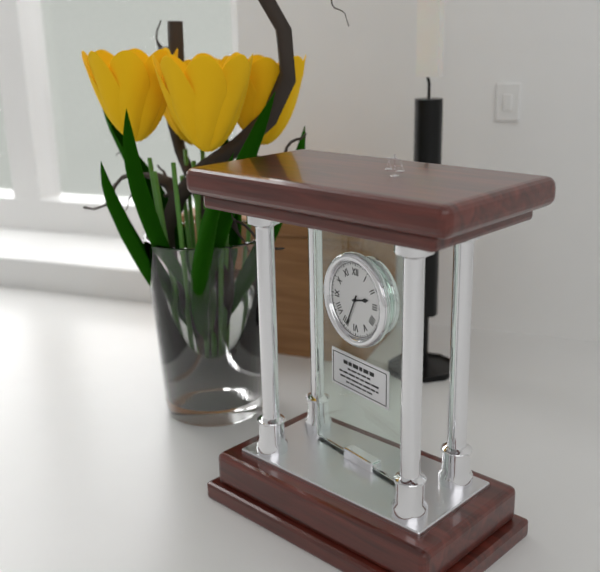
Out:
2 h 34 min
